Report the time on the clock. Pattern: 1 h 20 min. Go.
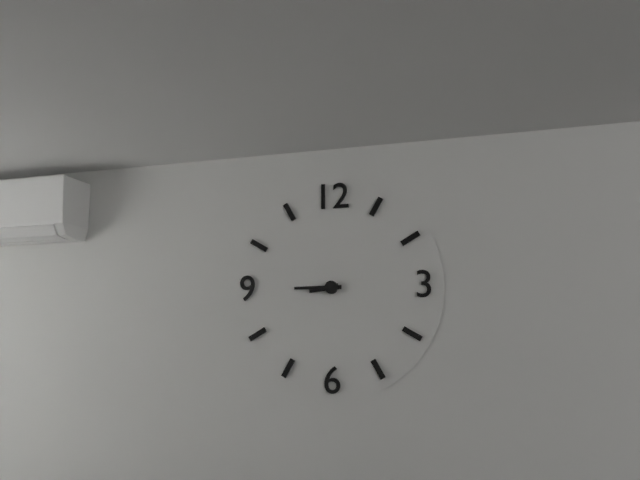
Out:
8 h 45 min
